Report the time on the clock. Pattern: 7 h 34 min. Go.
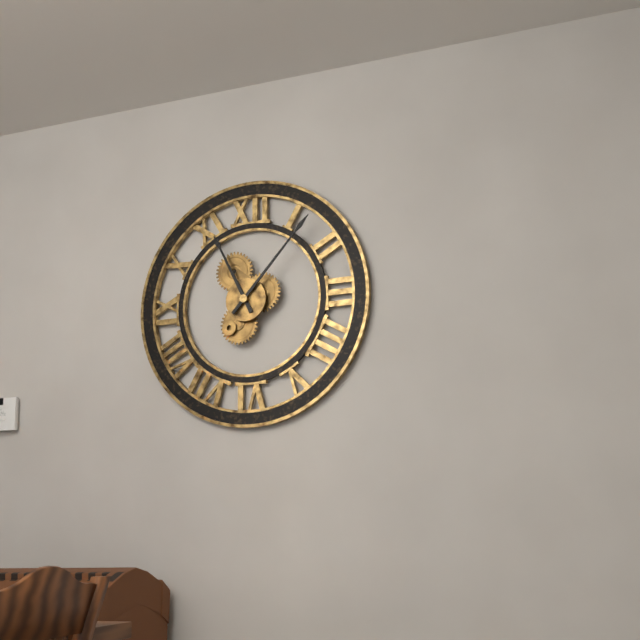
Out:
11 h 07 min
